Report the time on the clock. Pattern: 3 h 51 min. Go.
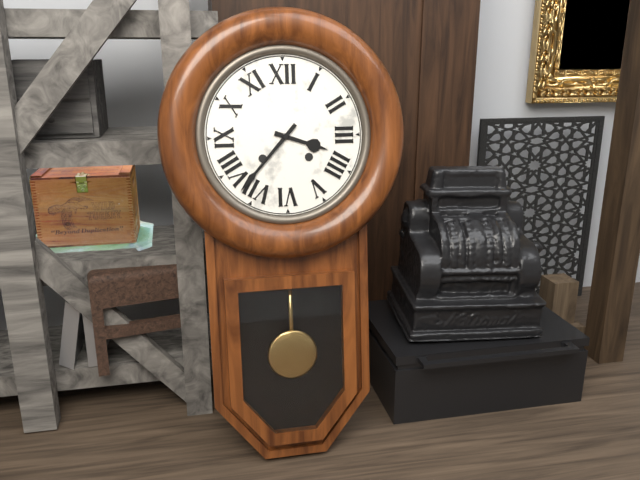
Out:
3 h 37 min
